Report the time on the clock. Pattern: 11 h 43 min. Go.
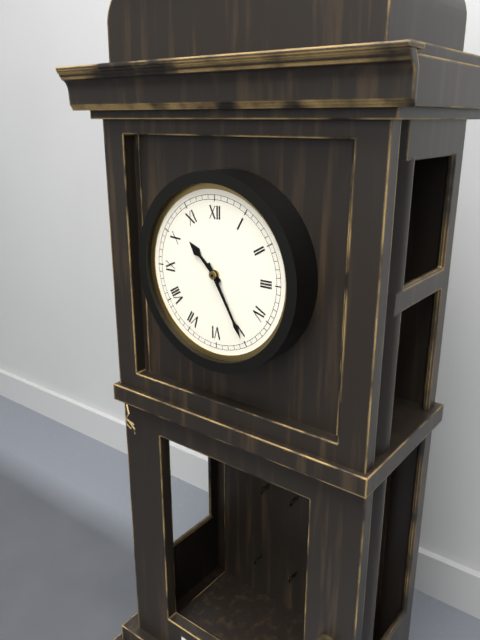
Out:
10 h 25 min
